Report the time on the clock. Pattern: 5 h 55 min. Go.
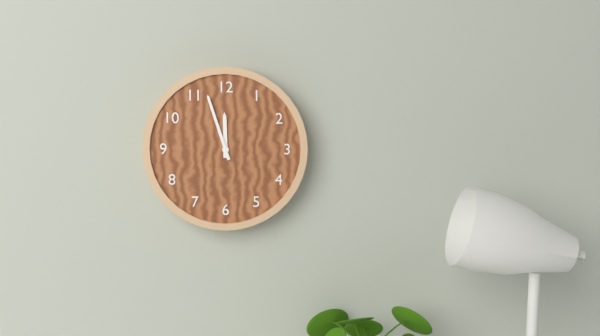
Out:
11 h 57 min
